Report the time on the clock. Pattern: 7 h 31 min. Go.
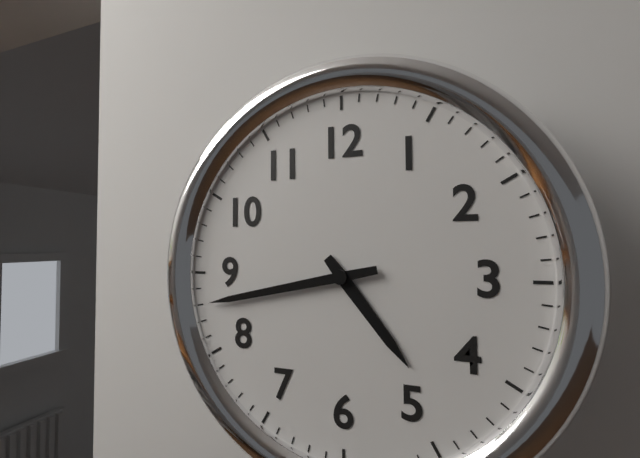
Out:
4 h 43 min
